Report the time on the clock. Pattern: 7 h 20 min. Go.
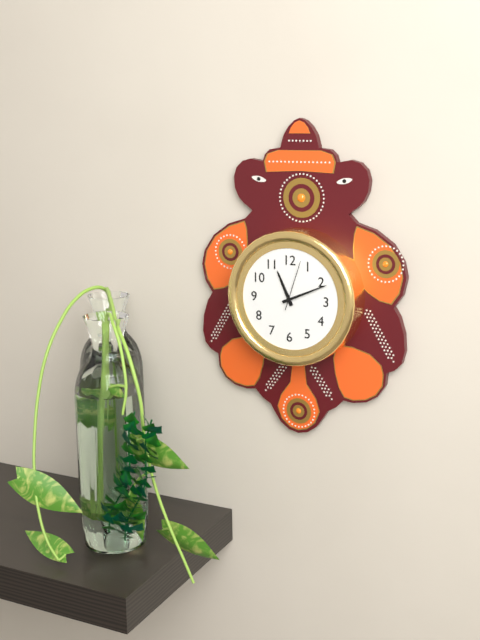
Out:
11 h 11 min
